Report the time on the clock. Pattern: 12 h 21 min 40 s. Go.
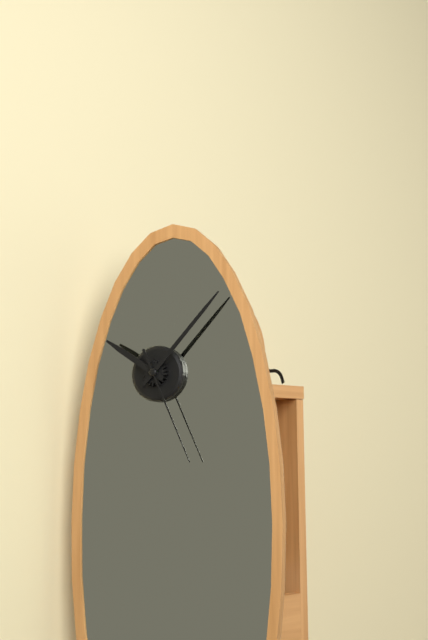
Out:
10 h 07 min 26 s
